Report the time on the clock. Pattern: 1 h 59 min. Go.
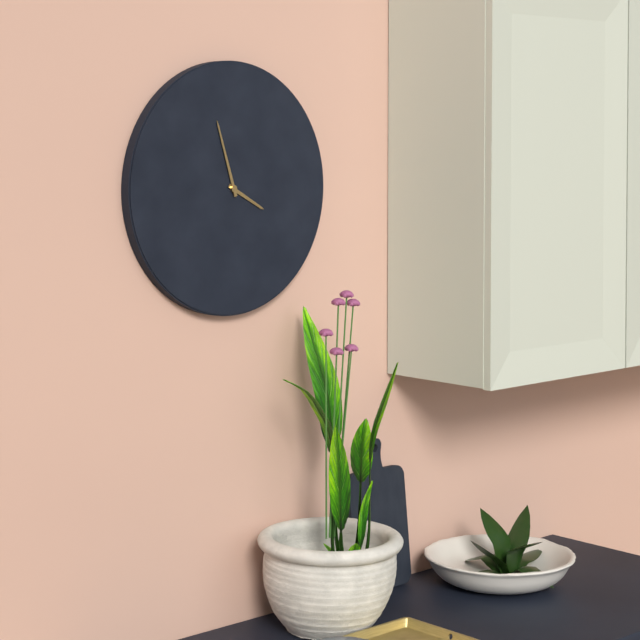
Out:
3 h 57 min
